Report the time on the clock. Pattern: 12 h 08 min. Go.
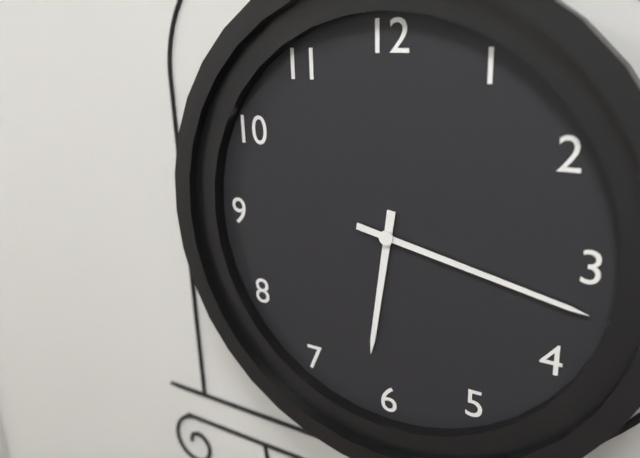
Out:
6 h 17 min
